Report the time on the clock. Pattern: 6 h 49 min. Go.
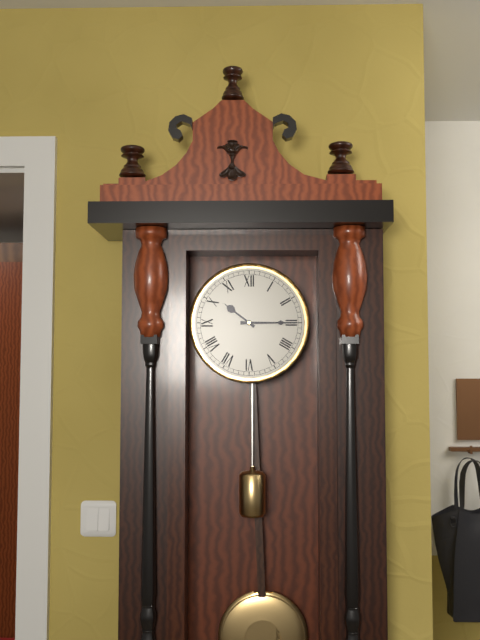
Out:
10 h 15 min
